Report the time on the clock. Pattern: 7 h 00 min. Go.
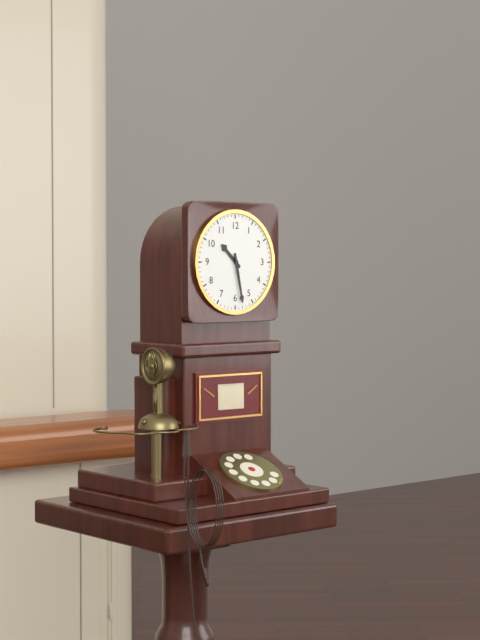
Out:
10 h 28 min
